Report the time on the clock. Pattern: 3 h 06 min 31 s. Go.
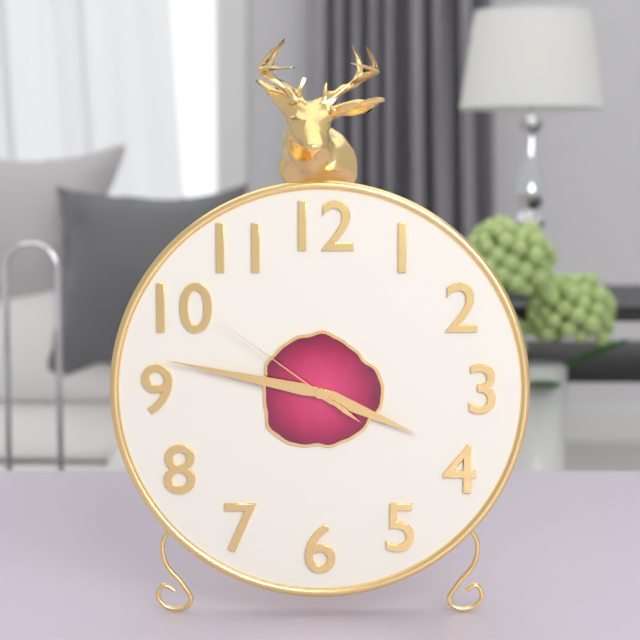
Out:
3 h 47 min 51 s
